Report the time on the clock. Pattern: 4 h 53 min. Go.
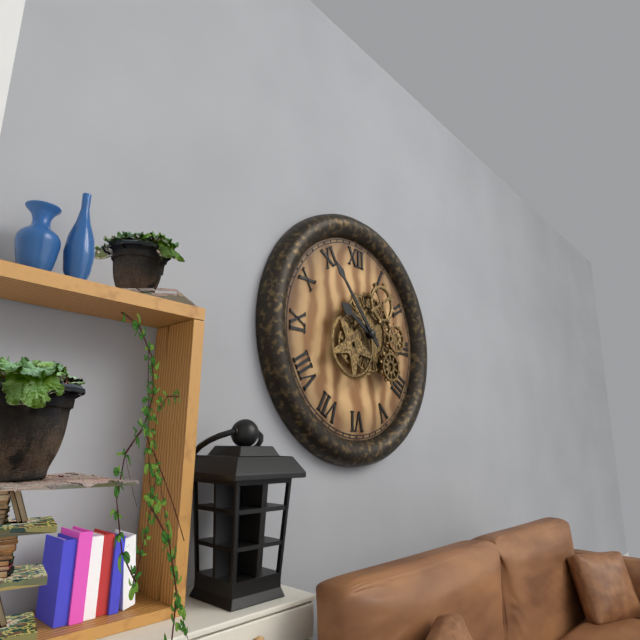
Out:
9 h 53 min
